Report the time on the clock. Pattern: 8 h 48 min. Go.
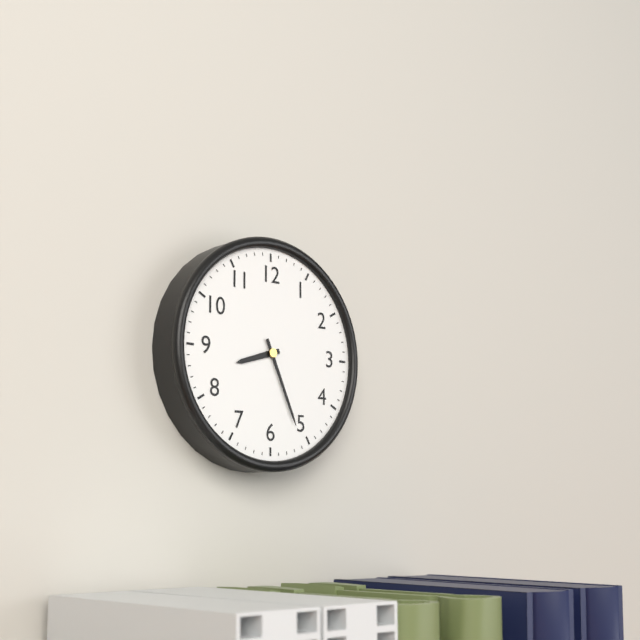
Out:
8 h 26 min
